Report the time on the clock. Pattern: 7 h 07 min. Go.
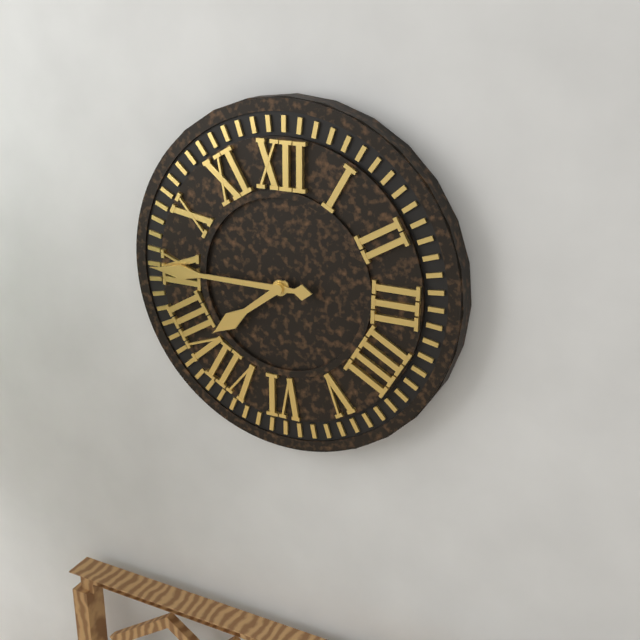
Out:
7 h 45 min
